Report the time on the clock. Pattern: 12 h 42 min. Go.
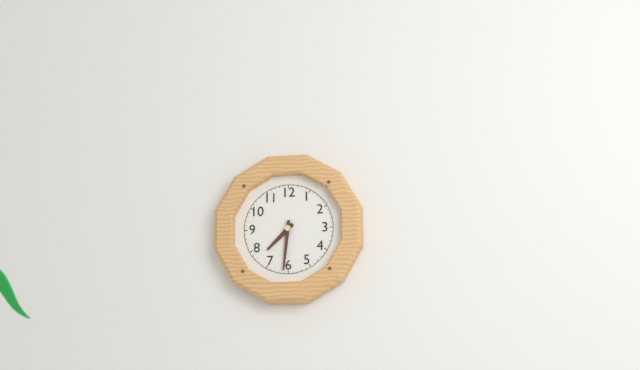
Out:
7 h 31 min
